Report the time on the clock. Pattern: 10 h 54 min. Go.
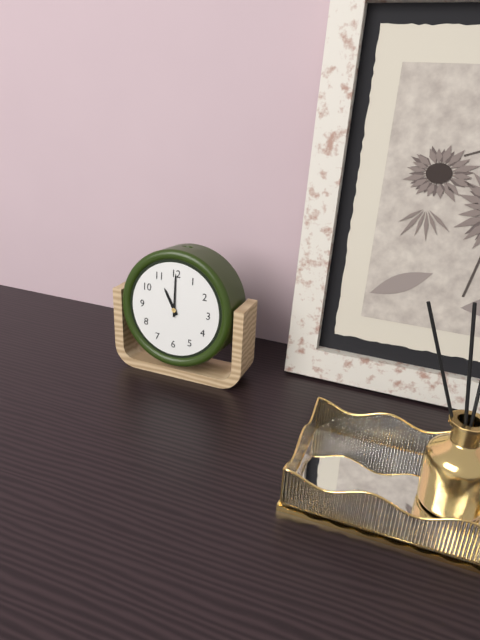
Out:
11 h 00 min
